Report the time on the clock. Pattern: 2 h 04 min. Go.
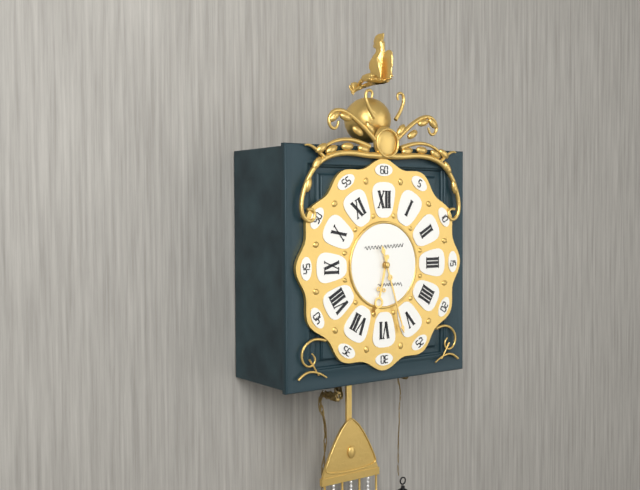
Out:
6 h 27 min
